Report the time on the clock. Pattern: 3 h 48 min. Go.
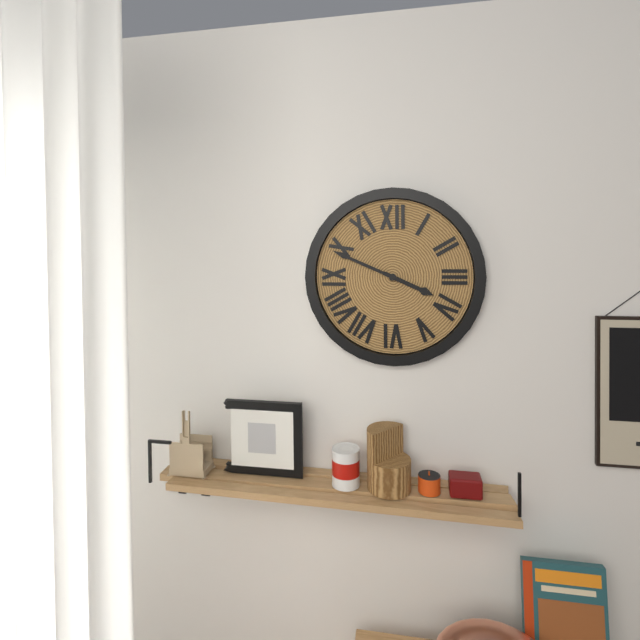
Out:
3 h 49 min
